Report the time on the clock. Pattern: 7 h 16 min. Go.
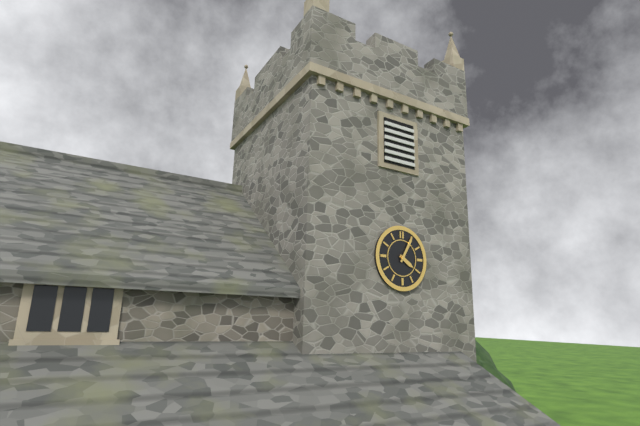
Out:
4 h 05 min
